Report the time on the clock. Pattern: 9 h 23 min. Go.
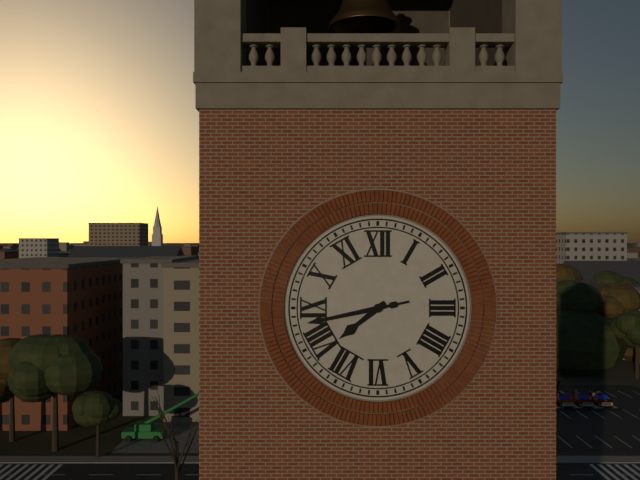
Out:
7 h 43 min
